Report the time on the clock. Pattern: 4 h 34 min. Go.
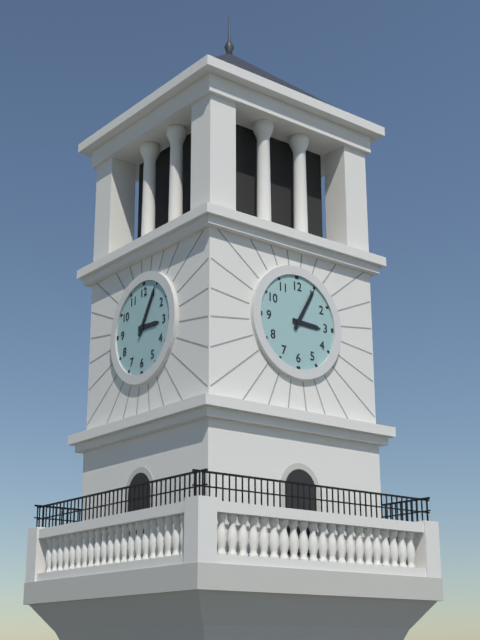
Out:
3 h 05 min
